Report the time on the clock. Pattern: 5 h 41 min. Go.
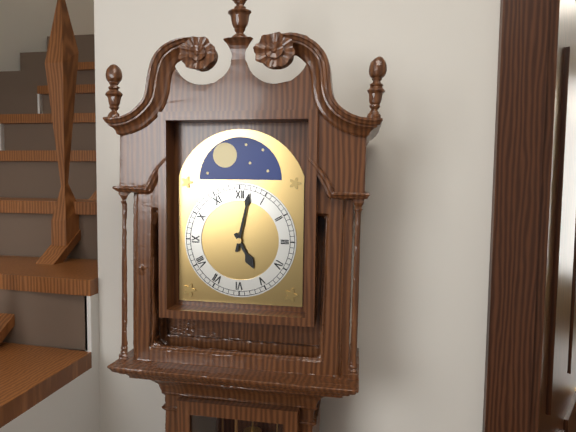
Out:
5 h 02 min
